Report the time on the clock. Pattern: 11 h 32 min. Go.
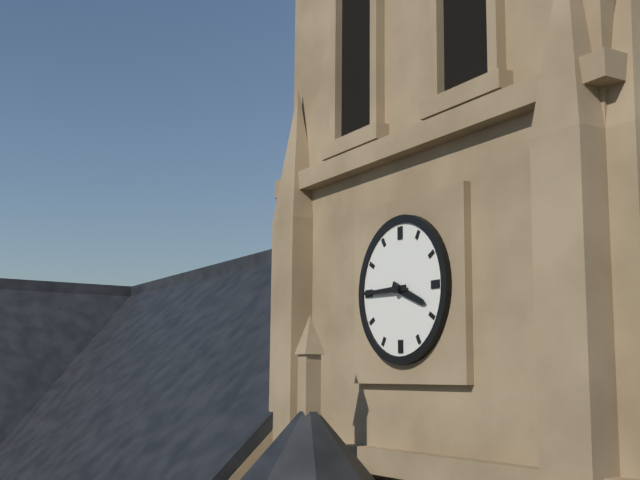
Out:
3 h 45 min
